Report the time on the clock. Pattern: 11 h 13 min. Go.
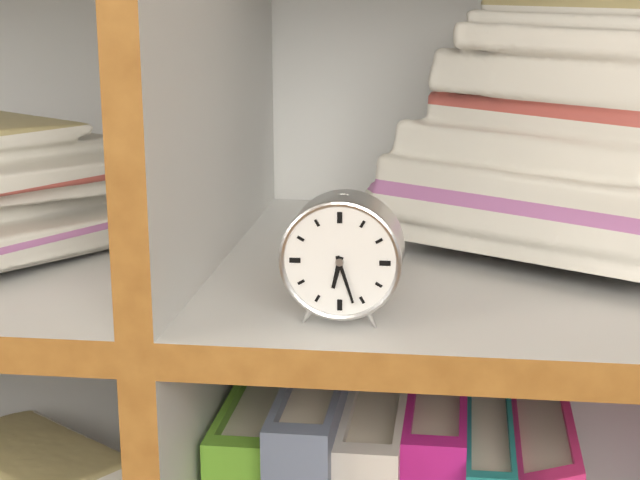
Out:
6 h 27 min
